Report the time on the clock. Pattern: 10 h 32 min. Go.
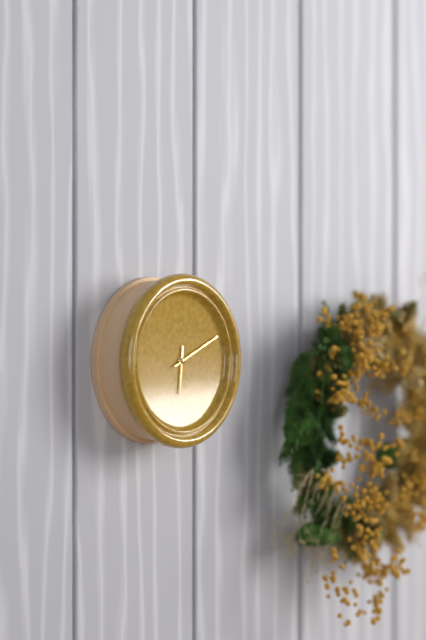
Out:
6 h 11 min
